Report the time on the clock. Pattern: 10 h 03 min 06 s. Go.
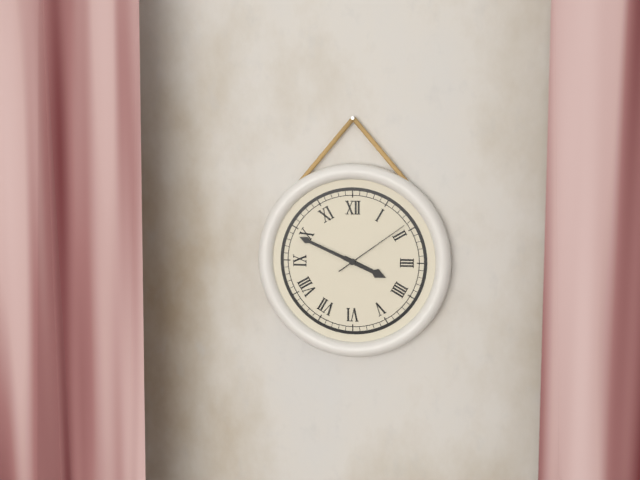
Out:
3 h 49 min 09 s
